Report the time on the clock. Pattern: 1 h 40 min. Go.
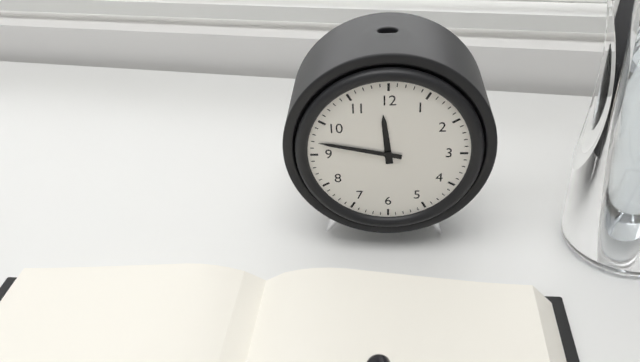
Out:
11 h 47 min
